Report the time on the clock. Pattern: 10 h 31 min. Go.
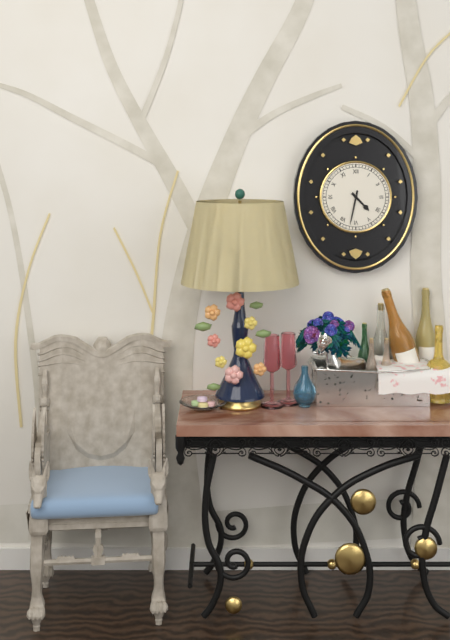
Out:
4 h 32 min
